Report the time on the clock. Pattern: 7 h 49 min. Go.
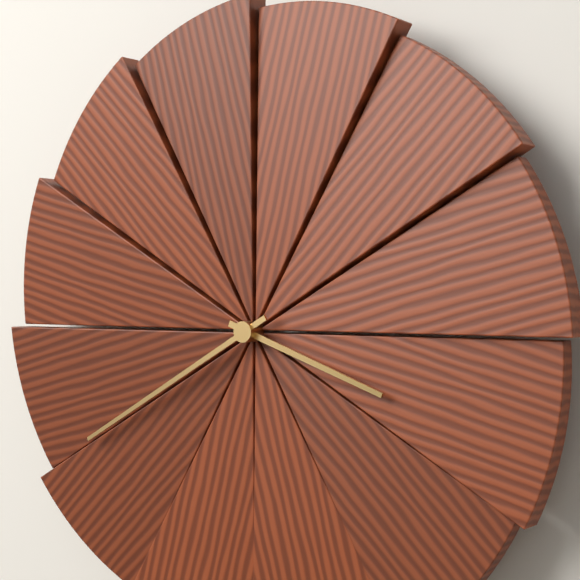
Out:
3 h 40 min
